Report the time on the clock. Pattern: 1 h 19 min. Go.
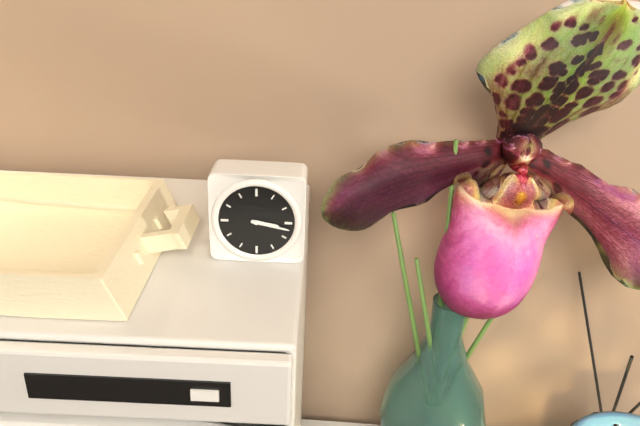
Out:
3 h 17 min
